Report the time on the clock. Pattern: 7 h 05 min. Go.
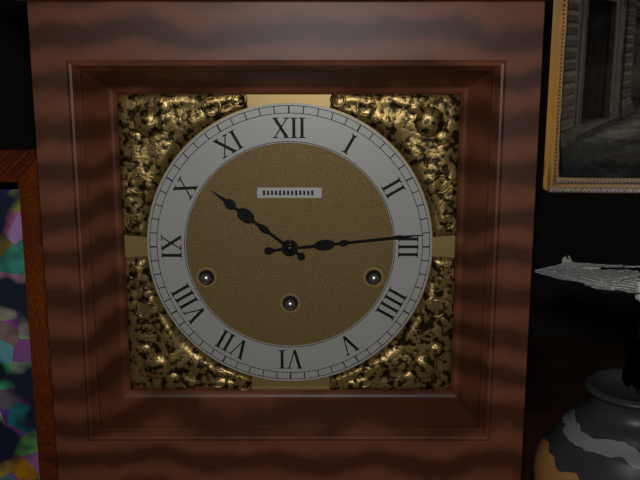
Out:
10 h 14 min
